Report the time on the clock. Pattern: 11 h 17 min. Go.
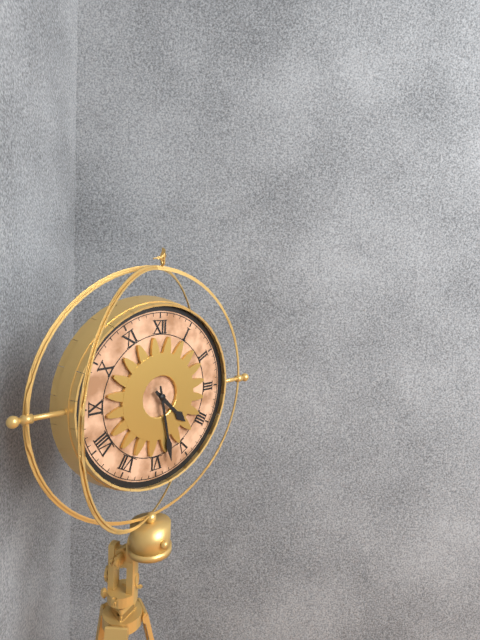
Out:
4 h 28 min
